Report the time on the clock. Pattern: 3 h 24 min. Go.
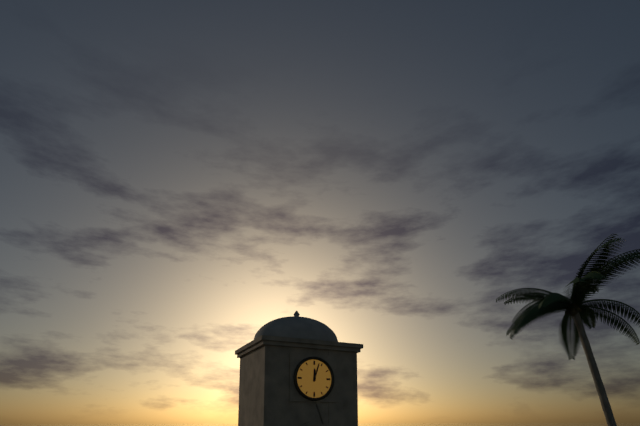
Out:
12 h 03 min
